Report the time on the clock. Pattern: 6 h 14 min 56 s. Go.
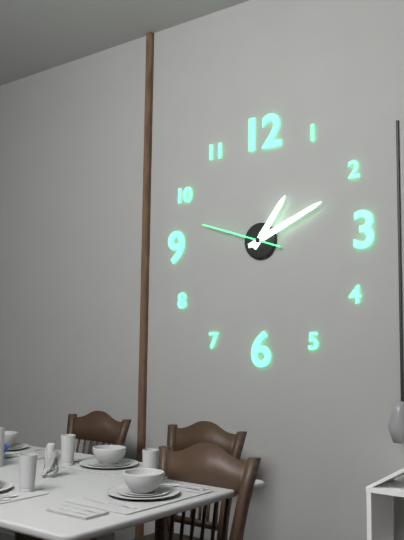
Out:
1 h 11 min 48 s
